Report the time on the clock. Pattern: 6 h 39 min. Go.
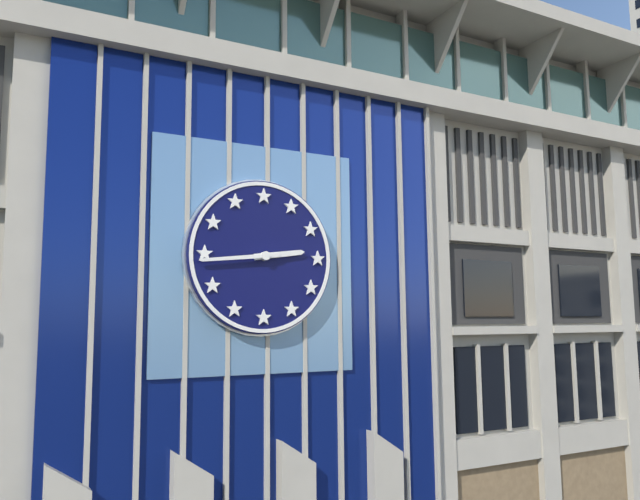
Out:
2 h 44 min
